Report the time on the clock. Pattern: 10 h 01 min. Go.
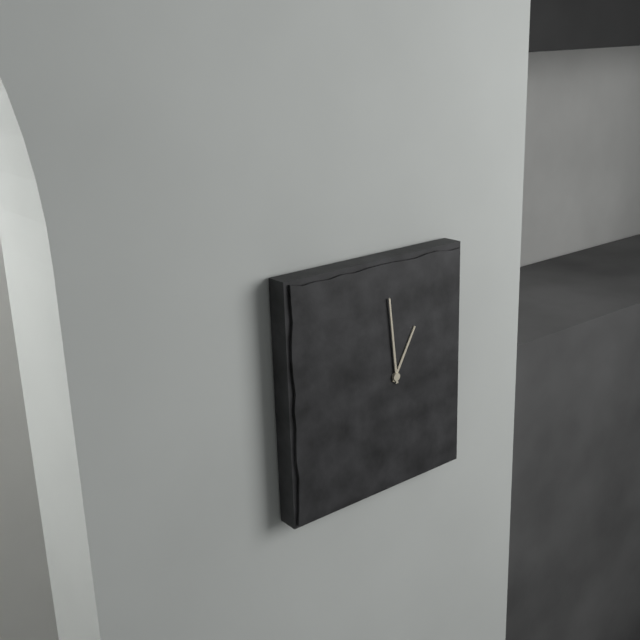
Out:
12 h 59 min
